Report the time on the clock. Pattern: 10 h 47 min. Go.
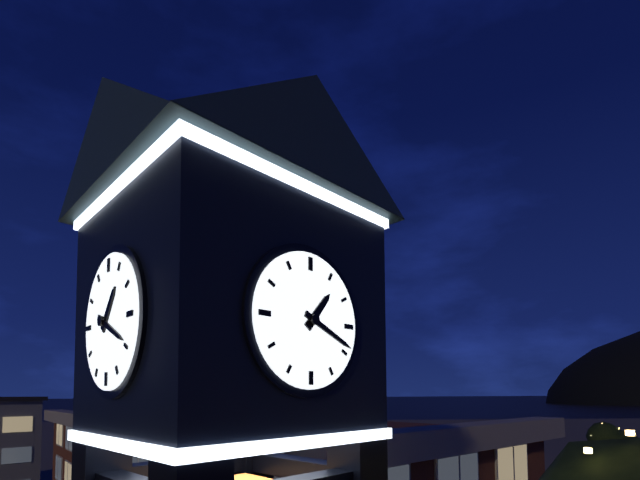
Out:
1 h 19 min
